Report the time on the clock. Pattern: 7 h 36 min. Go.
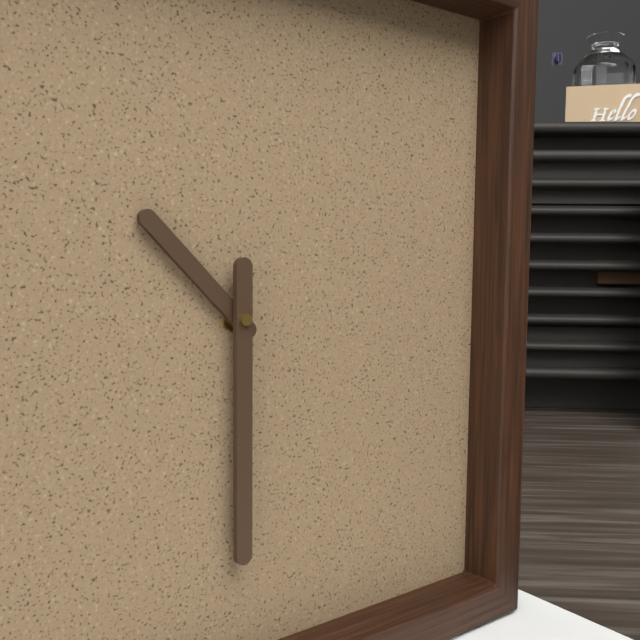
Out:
10 h 30 min
